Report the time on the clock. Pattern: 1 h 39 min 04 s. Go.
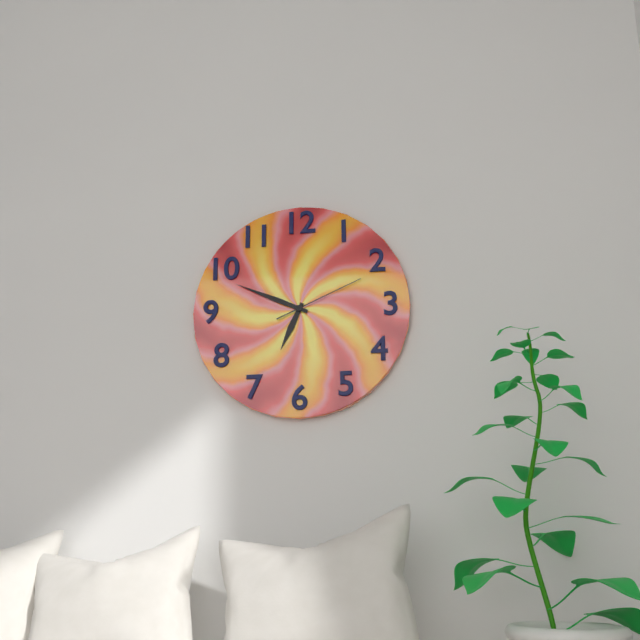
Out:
6 h 49 min 11 s
